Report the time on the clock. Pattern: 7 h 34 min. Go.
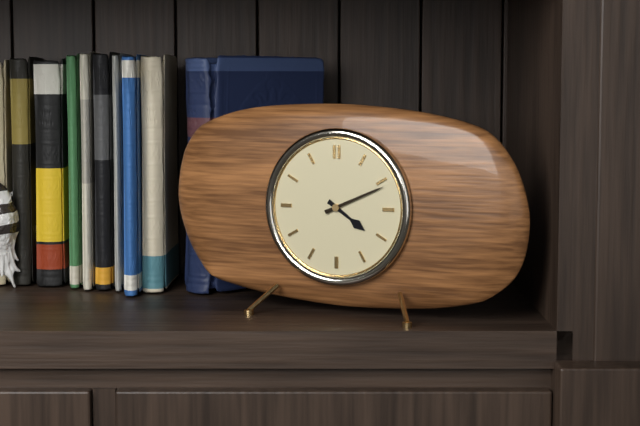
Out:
4 h 11 min
